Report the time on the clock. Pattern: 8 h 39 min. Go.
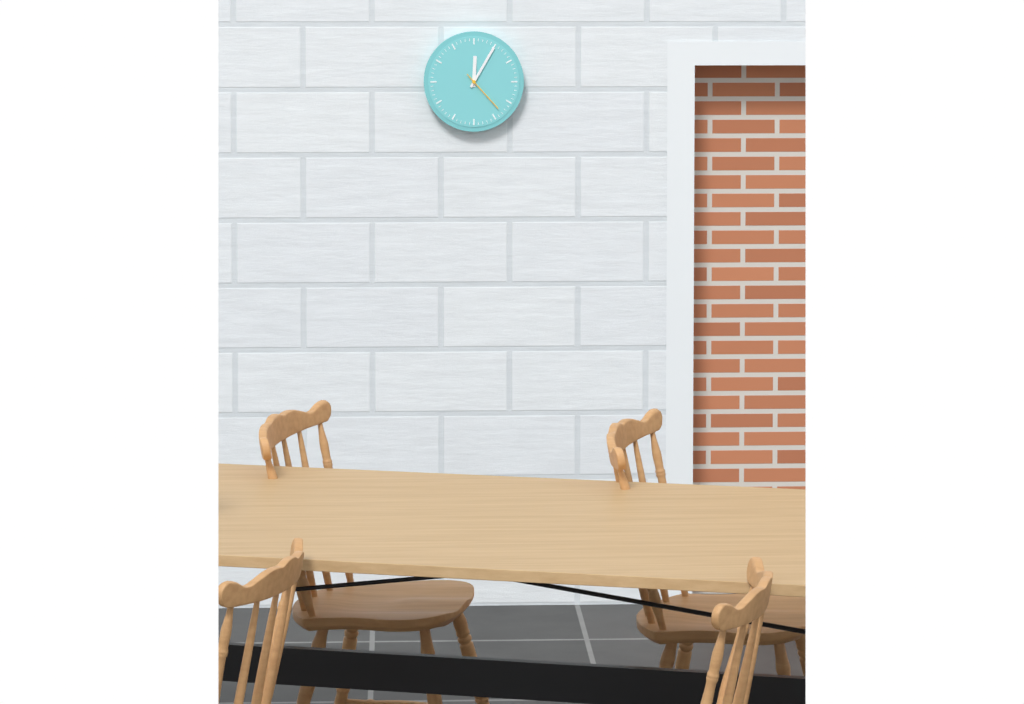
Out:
12 h 05 min
